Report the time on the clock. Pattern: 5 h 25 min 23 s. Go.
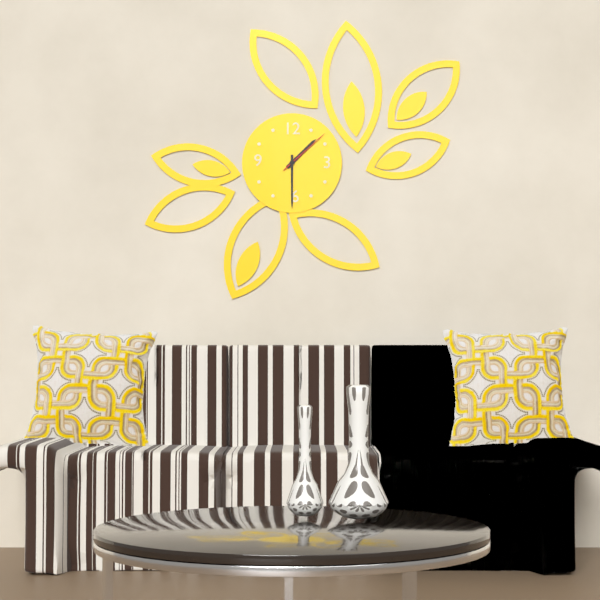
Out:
1 h 30 min 08 s
